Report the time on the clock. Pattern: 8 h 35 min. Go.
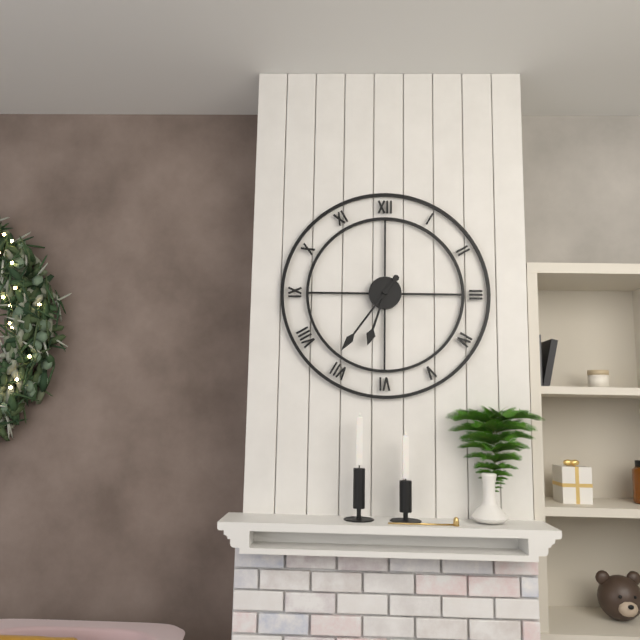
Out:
6 h 36 min
